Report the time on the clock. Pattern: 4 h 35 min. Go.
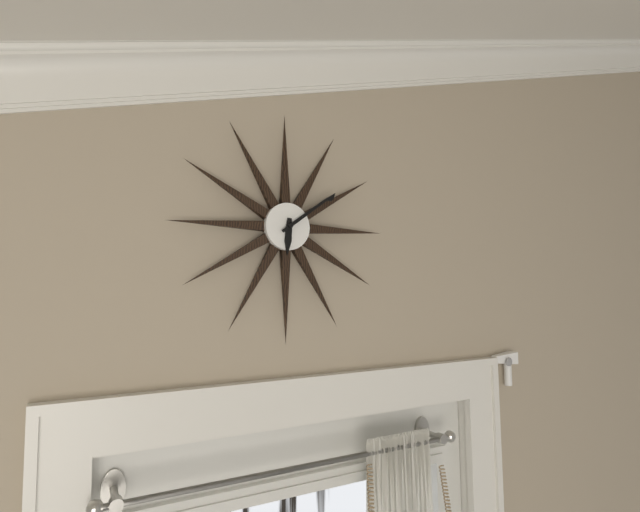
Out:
6 h 09 min
